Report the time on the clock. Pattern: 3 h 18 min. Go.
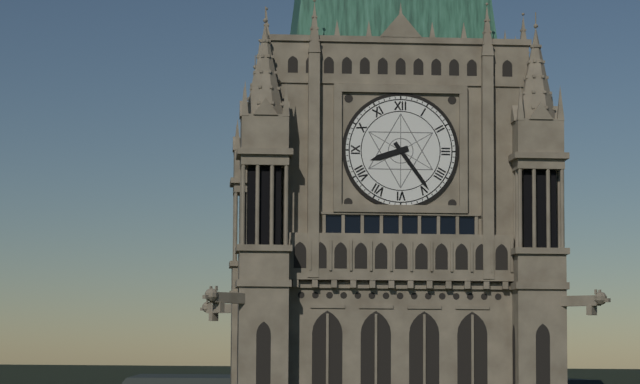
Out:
8 h 24 min
